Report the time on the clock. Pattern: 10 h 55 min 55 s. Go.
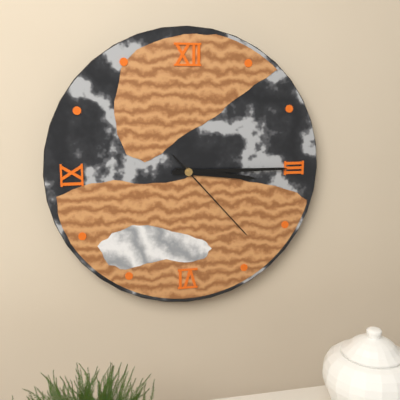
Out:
3 h 15 min 23 s
